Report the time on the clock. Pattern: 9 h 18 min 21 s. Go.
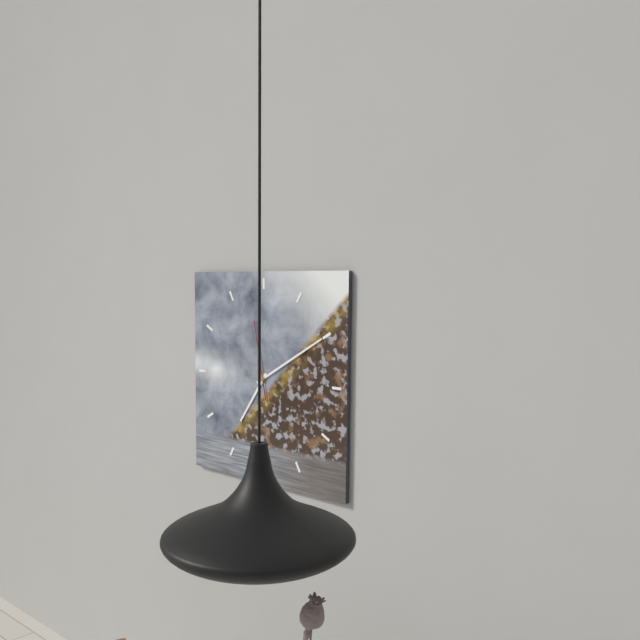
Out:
7 h 10 min 58 s
